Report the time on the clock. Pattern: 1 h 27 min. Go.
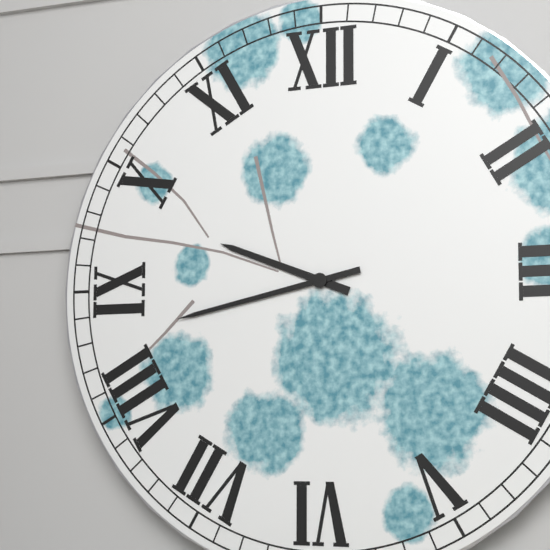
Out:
9 h 43 min
